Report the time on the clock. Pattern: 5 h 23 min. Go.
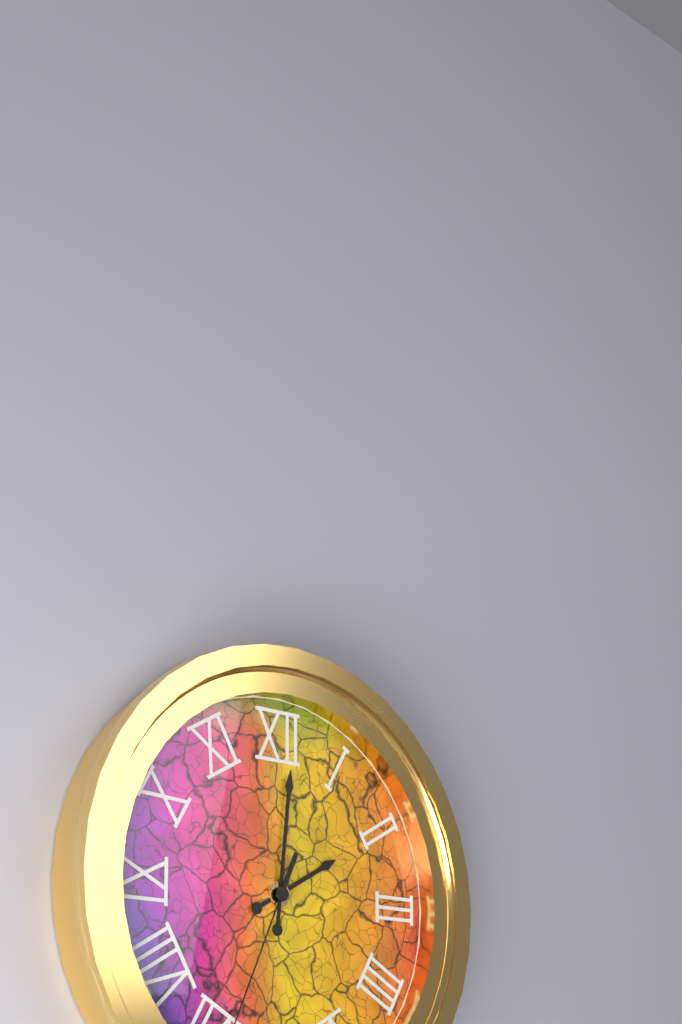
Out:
2 h 01 min
